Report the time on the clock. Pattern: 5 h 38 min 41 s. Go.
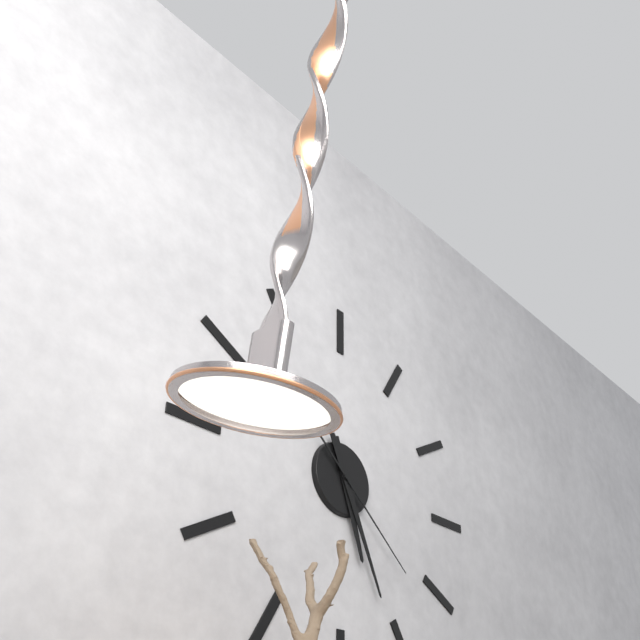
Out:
5 h 26 min 22 s
